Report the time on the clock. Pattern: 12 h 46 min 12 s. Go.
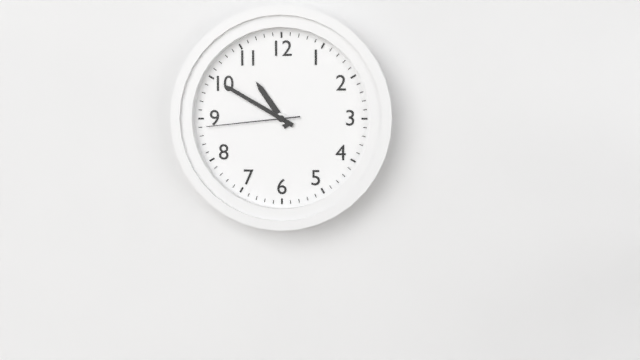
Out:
10 h 50 min 44 s
